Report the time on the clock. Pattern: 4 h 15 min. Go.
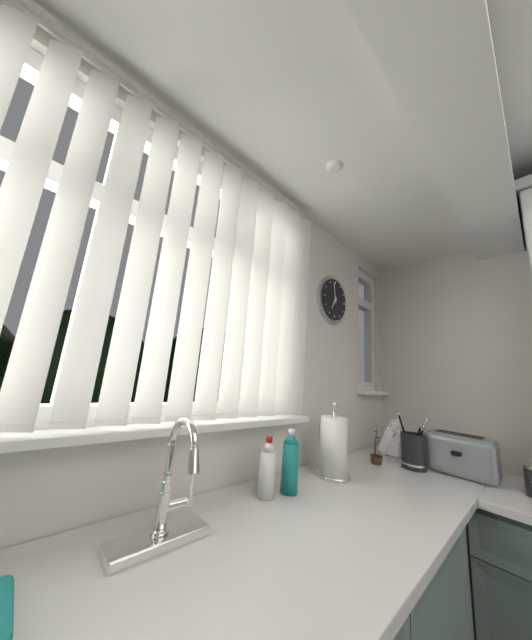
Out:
6 h 58 min
